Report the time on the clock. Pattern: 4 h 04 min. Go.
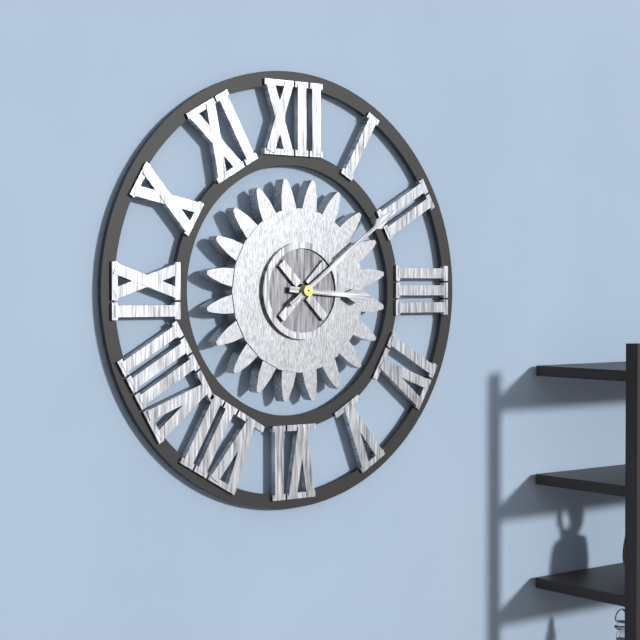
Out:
3 h 09 min
